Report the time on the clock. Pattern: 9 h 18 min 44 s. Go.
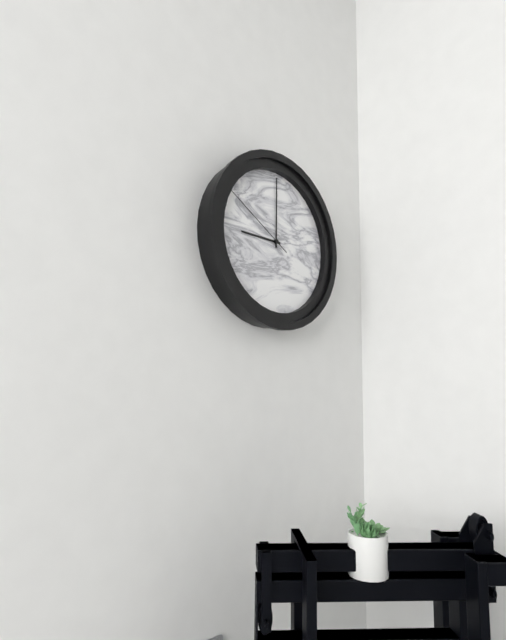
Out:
9 h 00 min 50 s
